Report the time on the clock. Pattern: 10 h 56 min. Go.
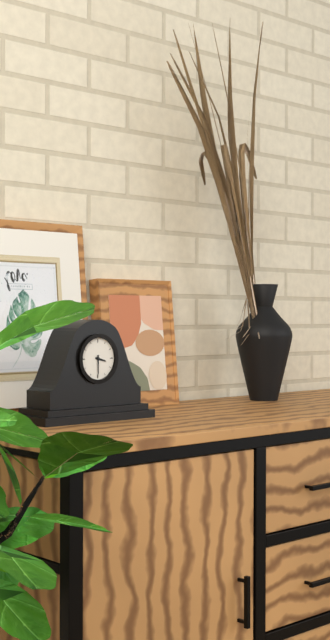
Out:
3 h 30 min
